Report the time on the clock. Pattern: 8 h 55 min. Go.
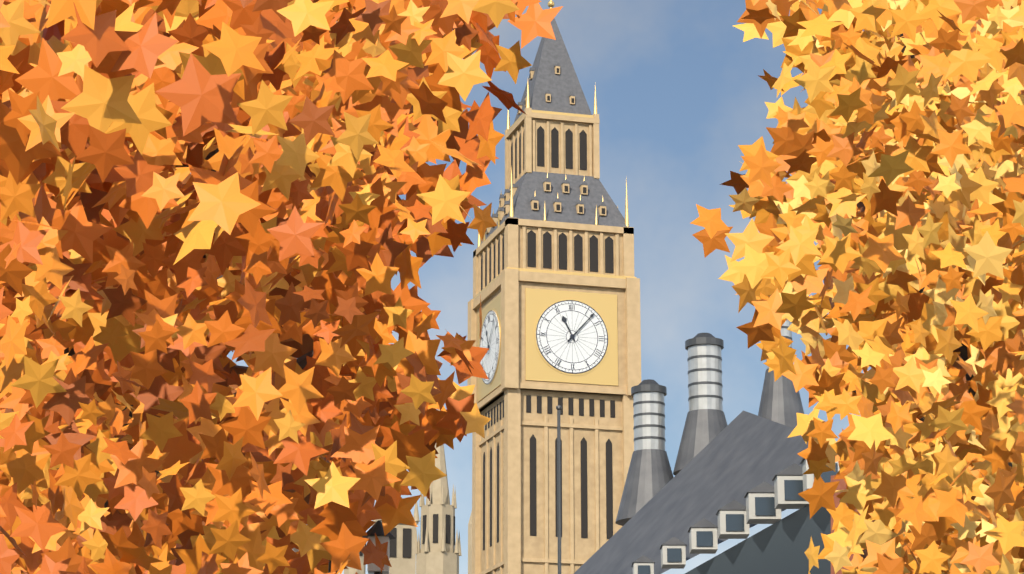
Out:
11 h 07 min
